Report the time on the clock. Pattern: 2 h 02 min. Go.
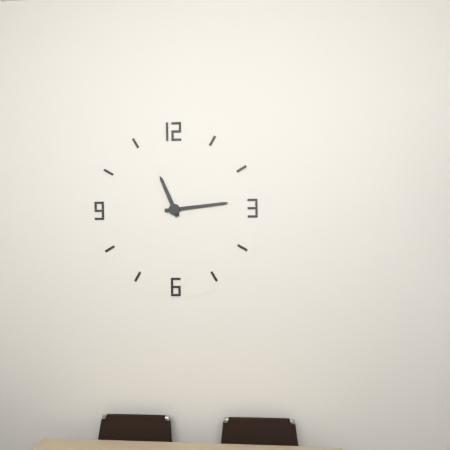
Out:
11 h 14 min
